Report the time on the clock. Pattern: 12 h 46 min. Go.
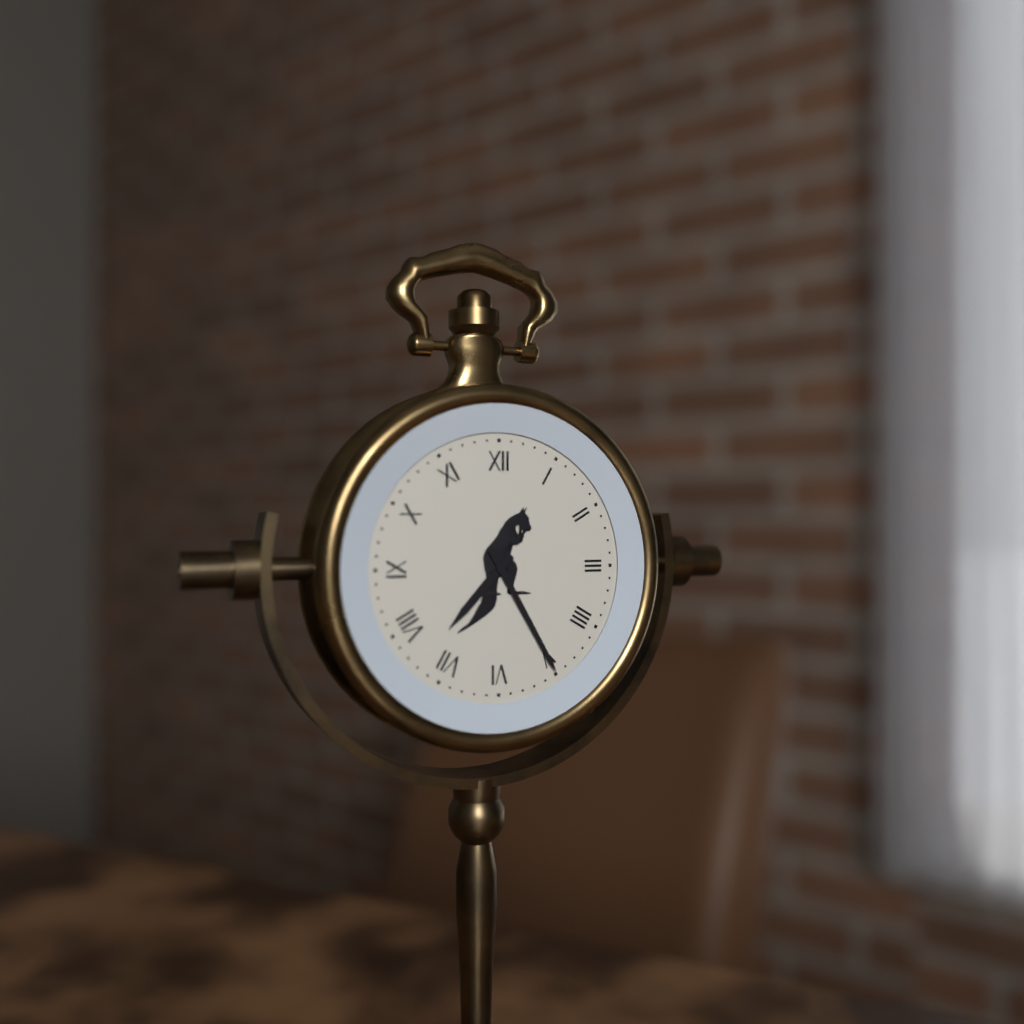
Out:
7 h 25 min
